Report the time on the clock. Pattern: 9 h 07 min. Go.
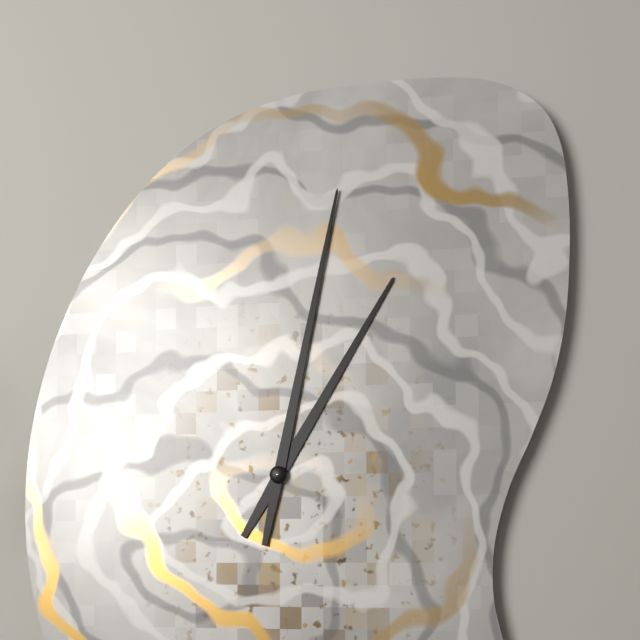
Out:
1 h 02 min
